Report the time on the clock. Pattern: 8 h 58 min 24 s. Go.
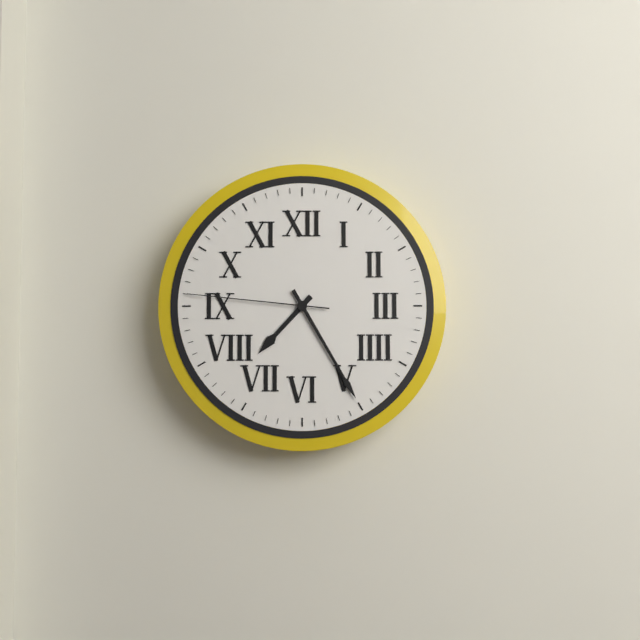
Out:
7 h 25 min 46 s
